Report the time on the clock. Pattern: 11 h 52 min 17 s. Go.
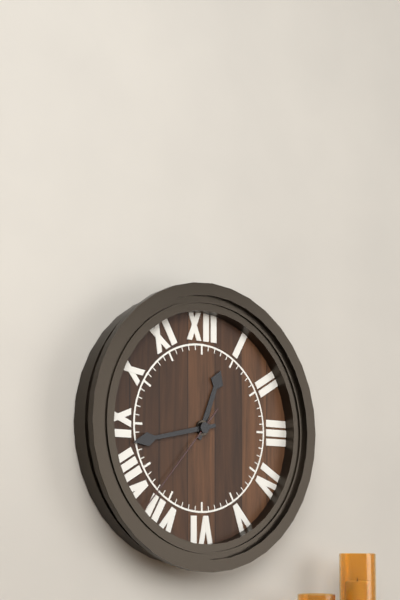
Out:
12 h 43 min 37 s
